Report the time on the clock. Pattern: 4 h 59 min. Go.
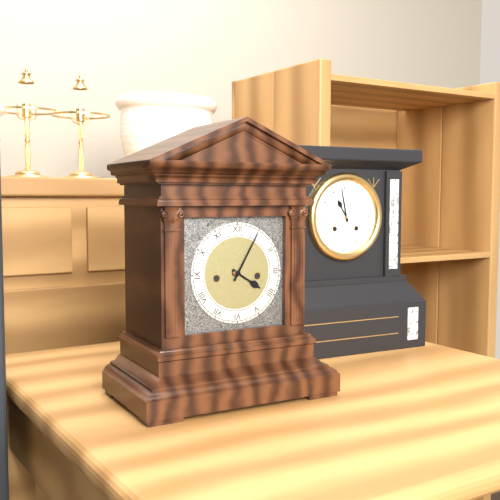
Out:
4 h 05 min
